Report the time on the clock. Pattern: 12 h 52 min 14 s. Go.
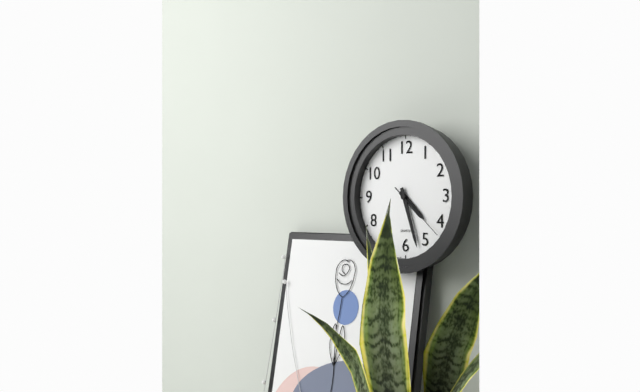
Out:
4 h 27 min 22 s
